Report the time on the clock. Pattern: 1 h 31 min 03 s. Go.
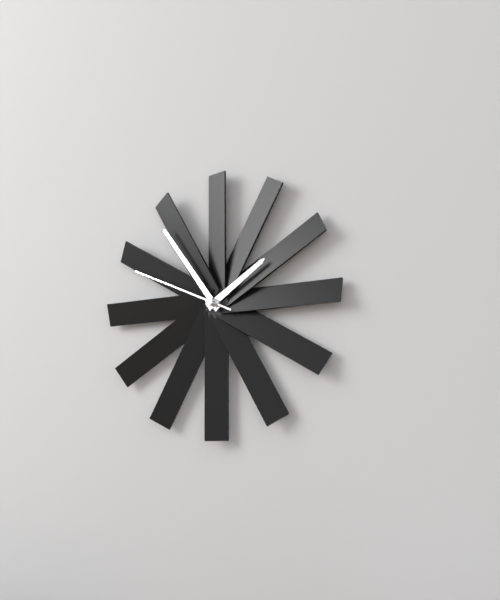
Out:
1 h 54 min 49 s
